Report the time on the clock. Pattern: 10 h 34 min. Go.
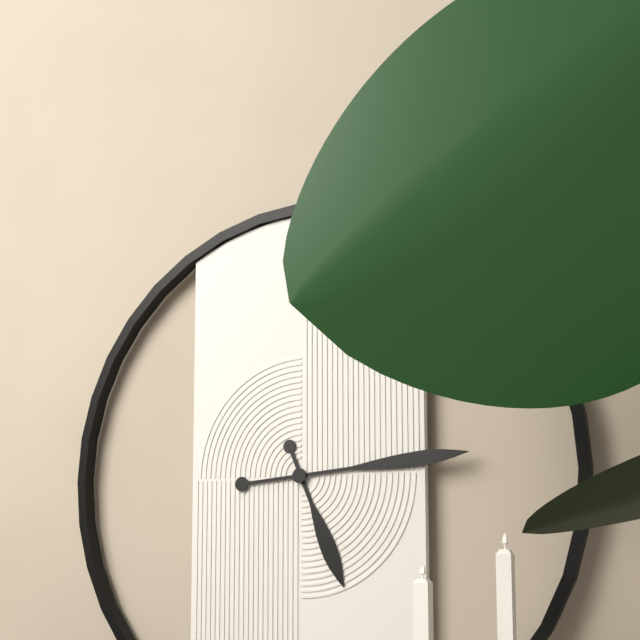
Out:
5 h 14 min
